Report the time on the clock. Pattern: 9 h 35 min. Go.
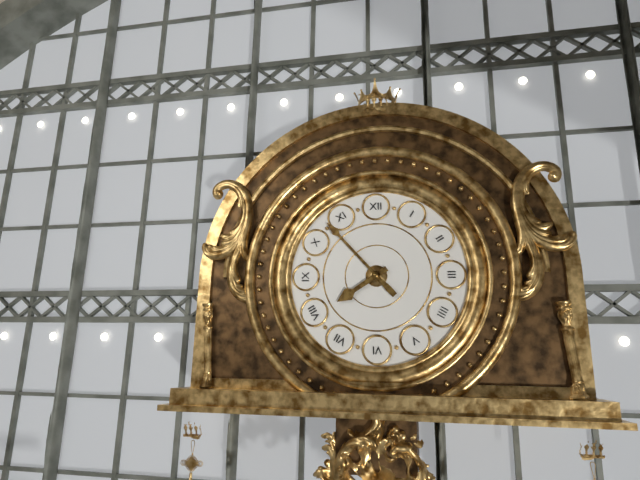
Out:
7 h 53 min
